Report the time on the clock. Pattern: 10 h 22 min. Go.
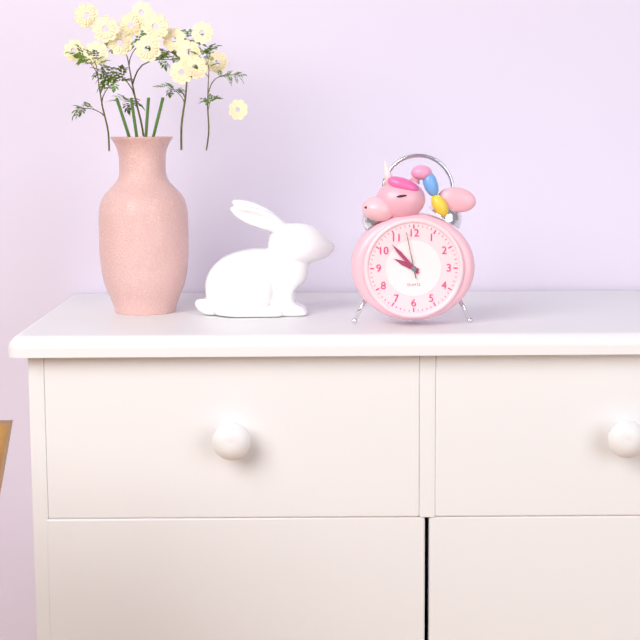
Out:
9 h 53 min
